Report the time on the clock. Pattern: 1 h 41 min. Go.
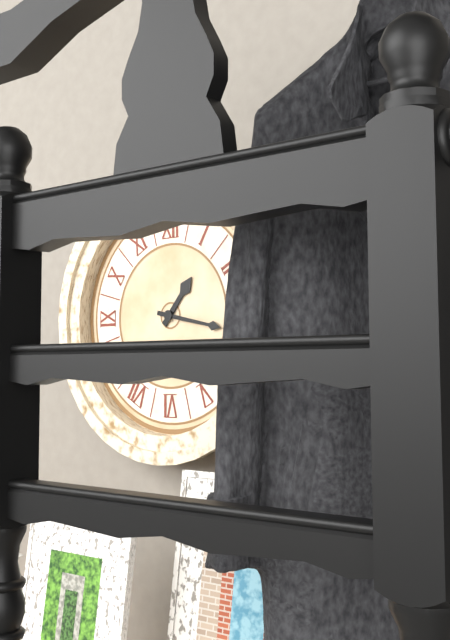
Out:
1 h 17 min
